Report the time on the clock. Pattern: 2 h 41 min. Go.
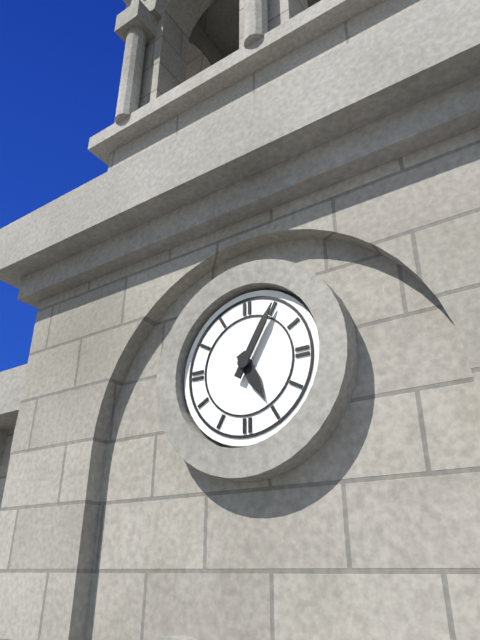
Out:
5 h 05 min
